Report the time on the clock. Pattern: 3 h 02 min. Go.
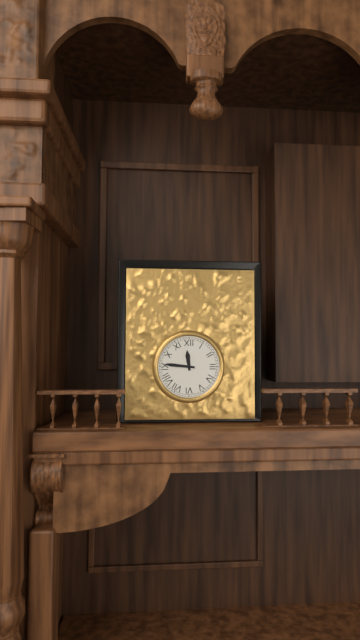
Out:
11 h 46 min
